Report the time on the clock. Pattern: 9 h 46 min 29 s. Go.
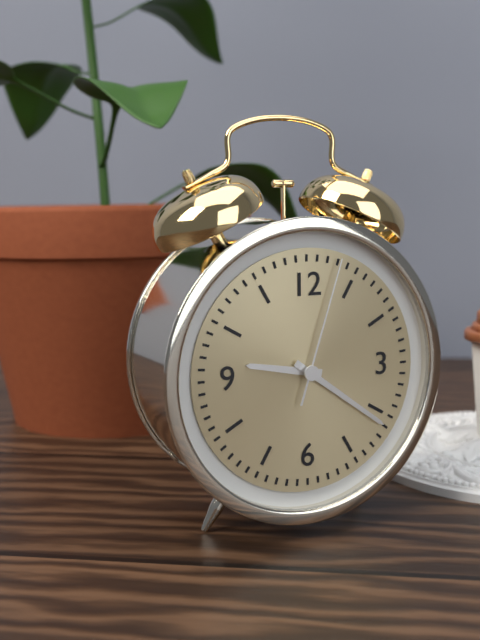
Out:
9 h 21 min 03 s
